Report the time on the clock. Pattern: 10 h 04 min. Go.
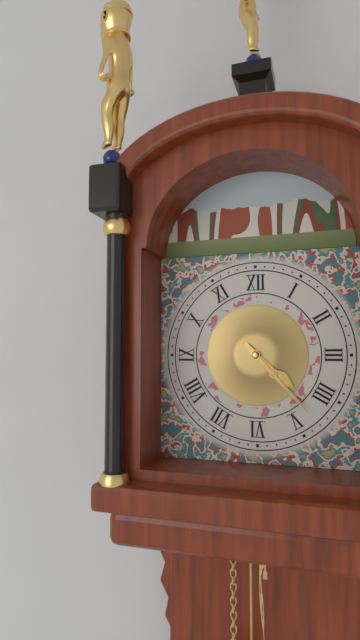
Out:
4 h 23 min
